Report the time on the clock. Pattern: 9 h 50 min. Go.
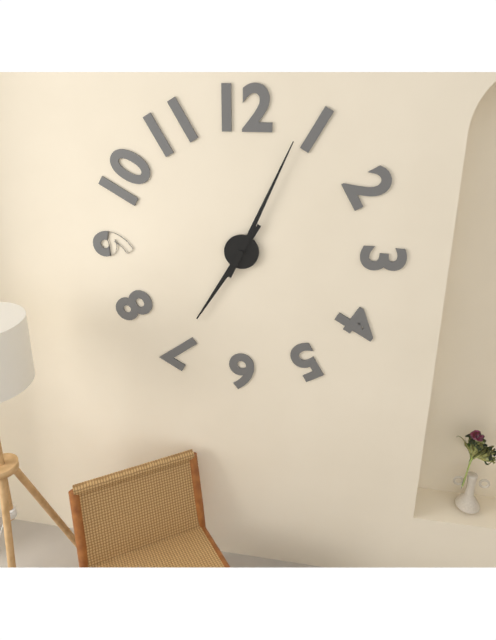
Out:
7 h 04 min
